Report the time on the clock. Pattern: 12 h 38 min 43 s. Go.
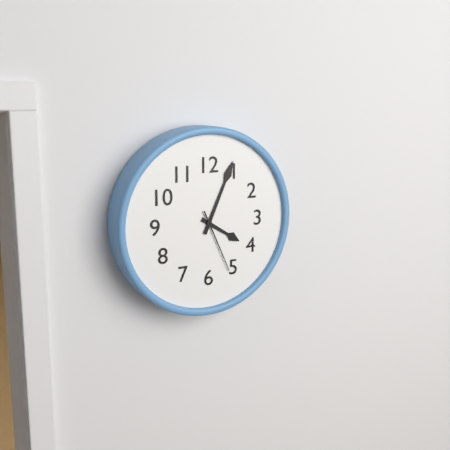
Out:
4 h 04 min 26 s
